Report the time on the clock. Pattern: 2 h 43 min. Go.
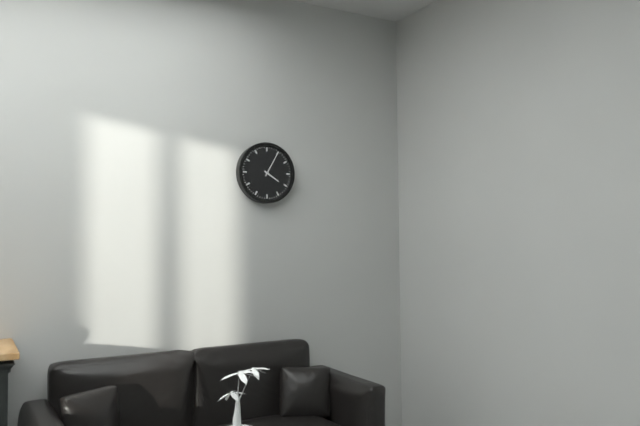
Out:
4 h 05 min
